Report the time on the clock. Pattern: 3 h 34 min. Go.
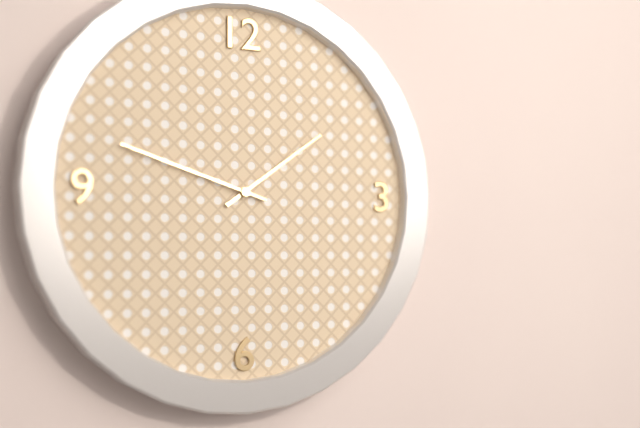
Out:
1 h 48 min
